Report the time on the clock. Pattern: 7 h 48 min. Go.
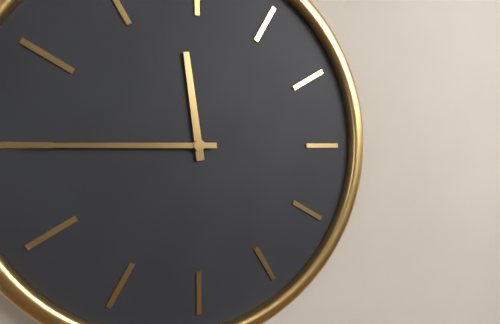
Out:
11 h 45 min
